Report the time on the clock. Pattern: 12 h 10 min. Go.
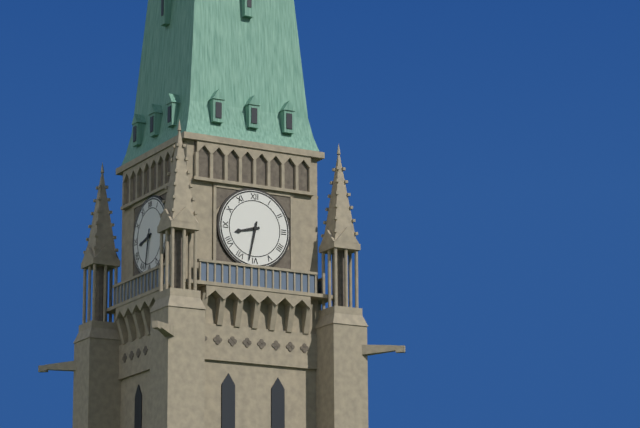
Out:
8 h 32 min
